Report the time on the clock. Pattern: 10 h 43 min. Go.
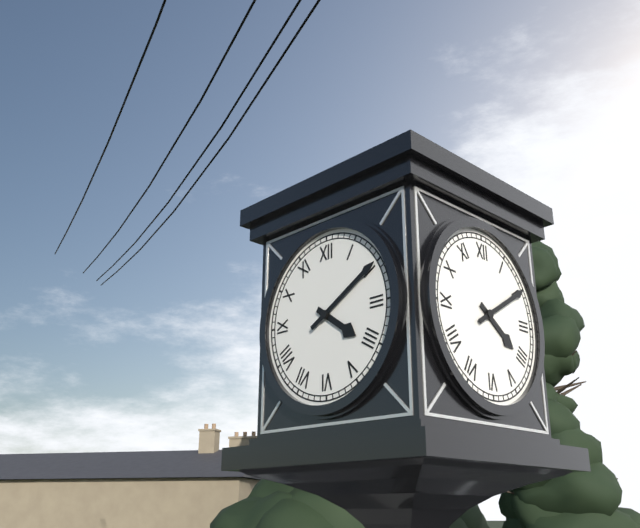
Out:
4 h 10 min
